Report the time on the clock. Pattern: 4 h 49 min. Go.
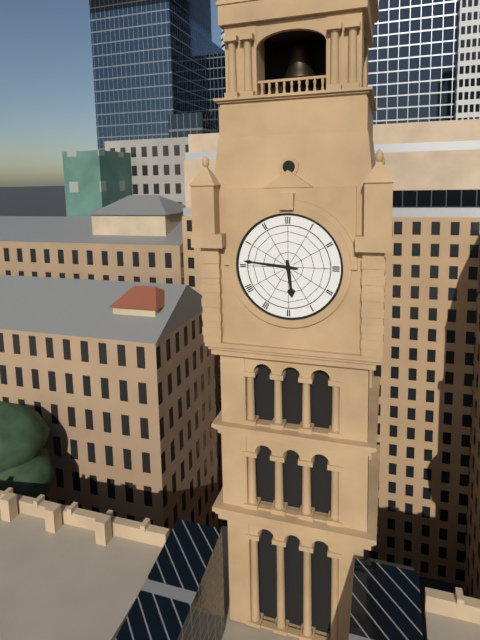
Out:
5 h 46 min
